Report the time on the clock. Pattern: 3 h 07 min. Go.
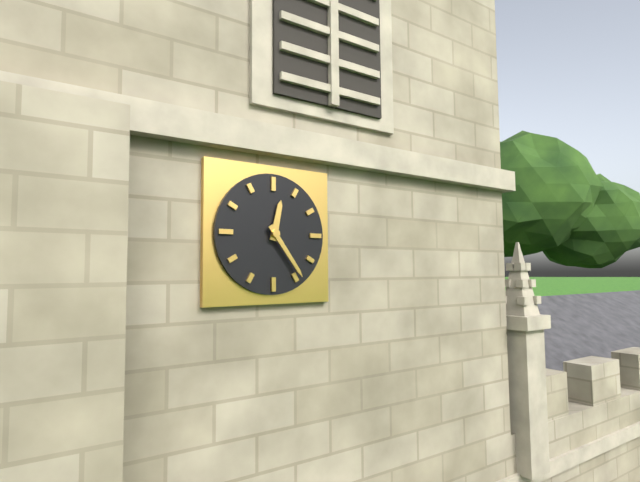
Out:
12 h 24 min
